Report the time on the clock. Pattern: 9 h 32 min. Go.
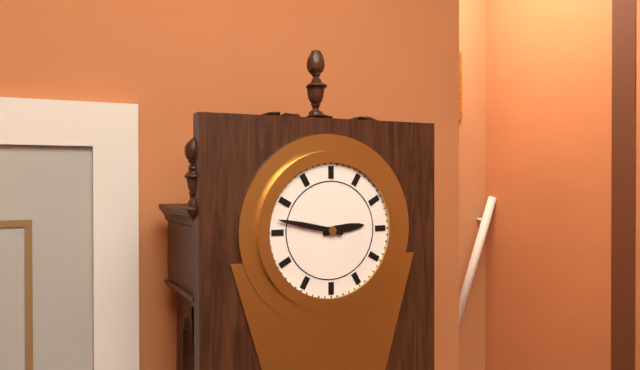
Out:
2 h 47 min
